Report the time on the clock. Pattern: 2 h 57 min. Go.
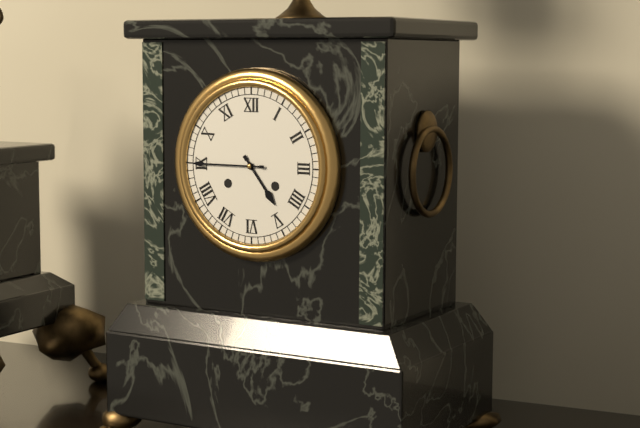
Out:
4 h 45 min
